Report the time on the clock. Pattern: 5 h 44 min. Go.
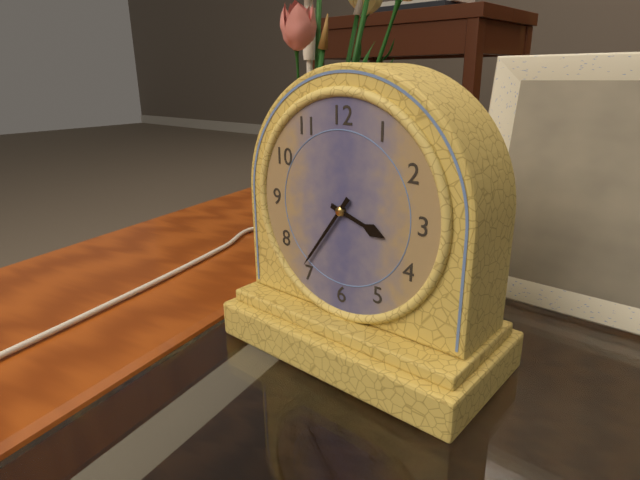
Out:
3 h 36 min
